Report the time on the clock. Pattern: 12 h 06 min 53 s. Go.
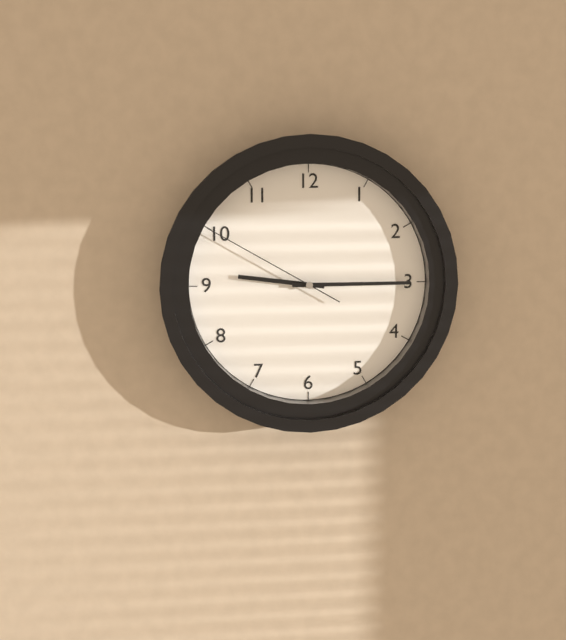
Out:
9 h 15 min 50 s
